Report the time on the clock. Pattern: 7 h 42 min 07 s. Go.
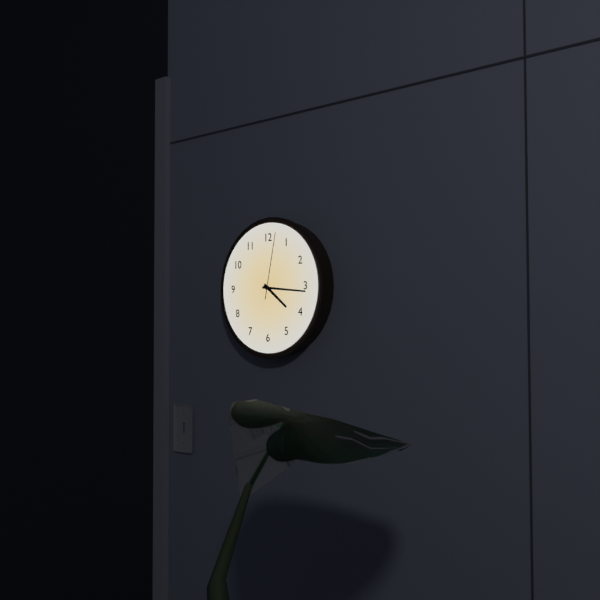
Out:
4 h 16 min 02 s
